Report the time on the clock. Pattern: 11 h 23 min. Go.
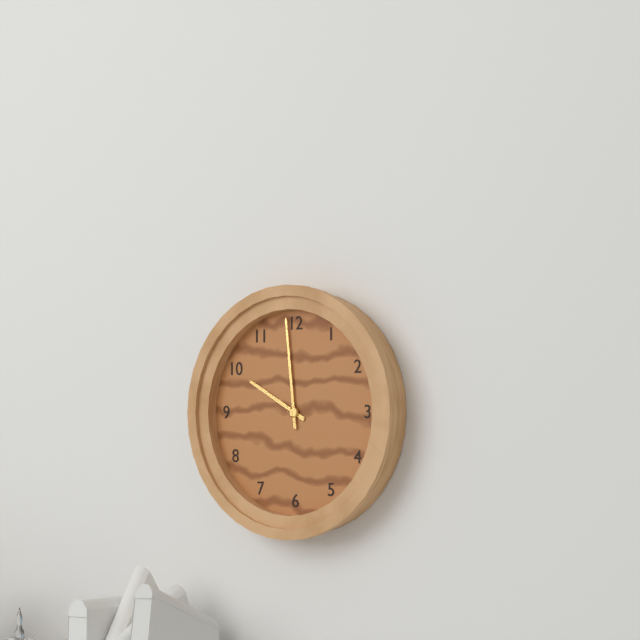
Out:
9 h 59 min
